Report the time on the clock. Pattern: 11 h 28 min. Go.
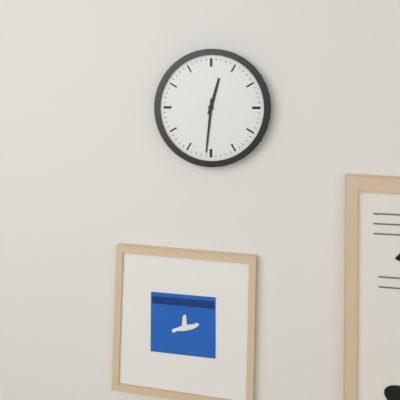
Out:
12 h 31 min
